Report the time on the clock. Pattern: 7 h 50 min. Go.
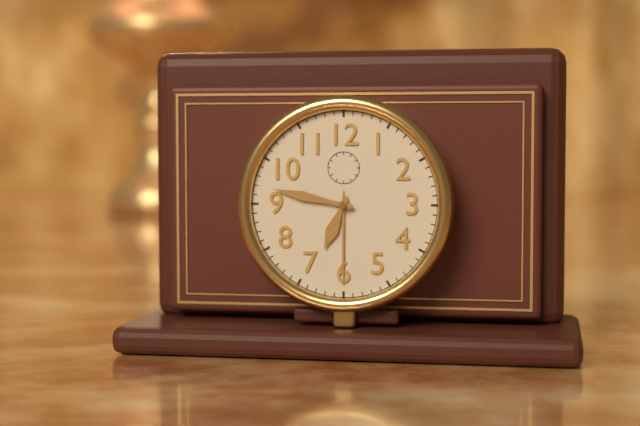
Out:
6 h 47 min
